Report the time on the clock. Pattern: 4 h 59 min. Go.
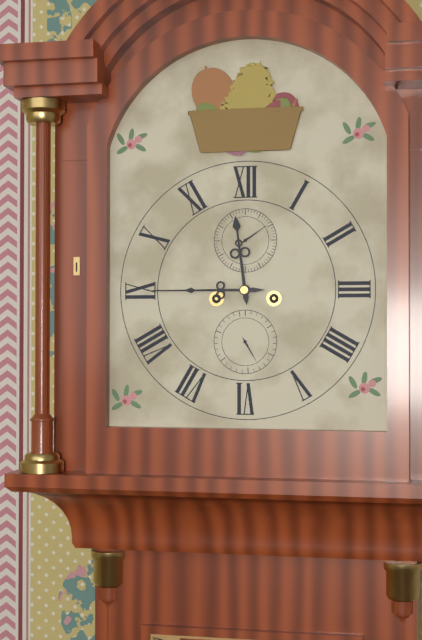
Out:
11 h 45 min
